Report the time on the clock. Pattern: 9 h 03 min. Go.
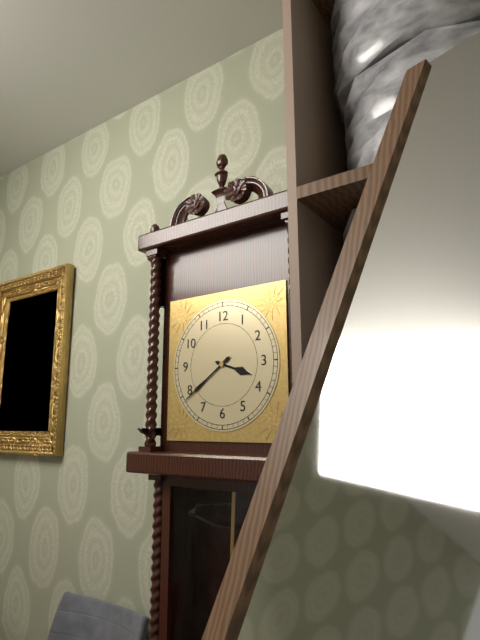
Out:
3 h 39 min
